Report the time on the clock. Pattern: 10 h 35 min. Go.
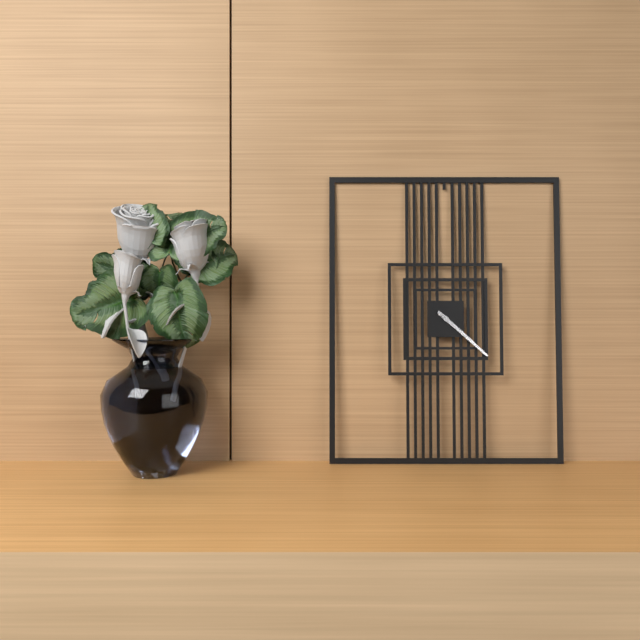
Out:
4 h 22 min
